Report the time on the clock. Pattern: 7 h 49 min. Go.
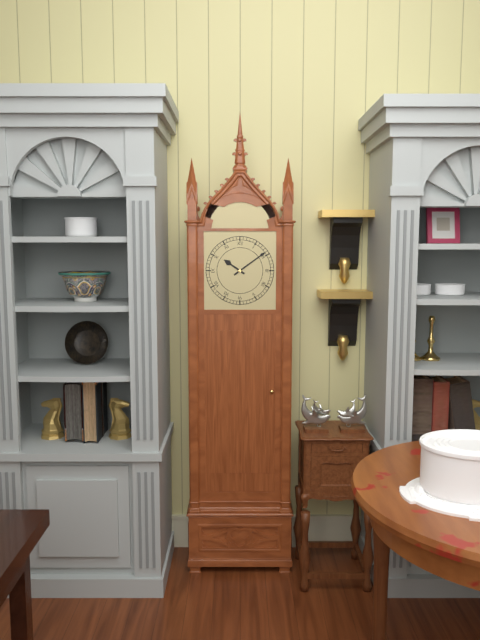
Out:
10 h 09 min
